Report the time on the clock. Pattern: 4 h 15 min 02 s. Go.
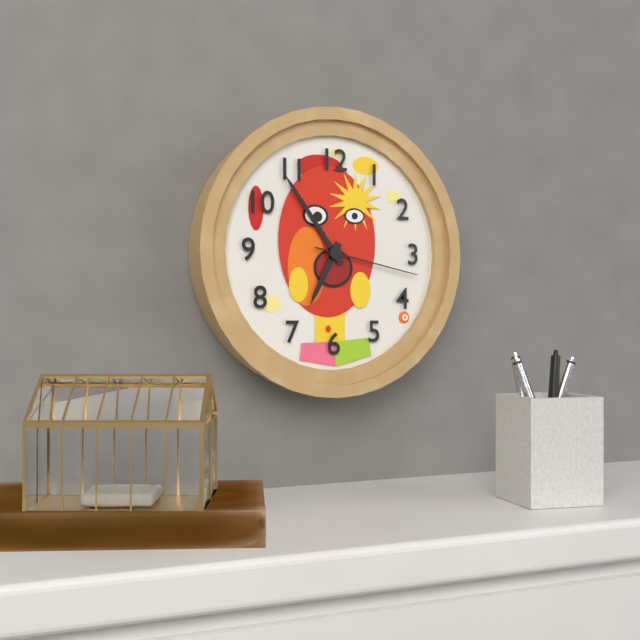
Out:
6 h 54 min 17 s
